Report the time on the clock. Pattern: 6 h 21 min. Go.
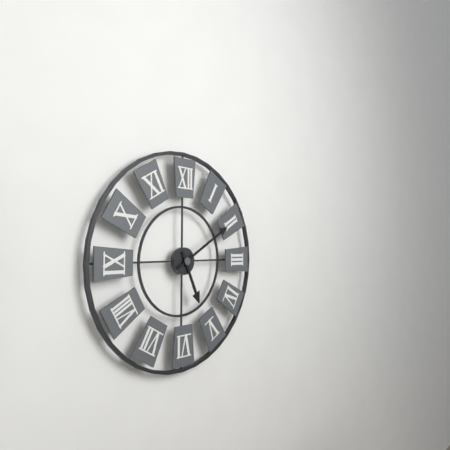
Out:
5 h 10 min
